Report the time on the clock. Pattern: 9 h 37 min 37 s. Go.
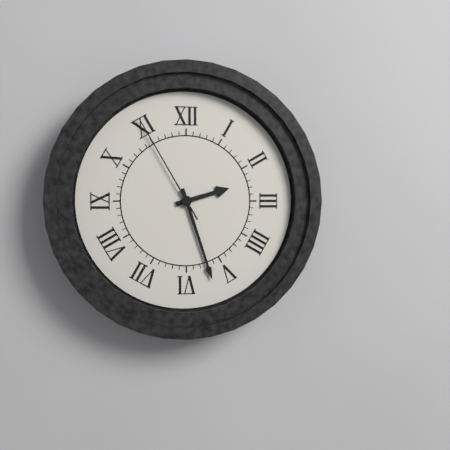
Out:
2 h 27 min 55 s
